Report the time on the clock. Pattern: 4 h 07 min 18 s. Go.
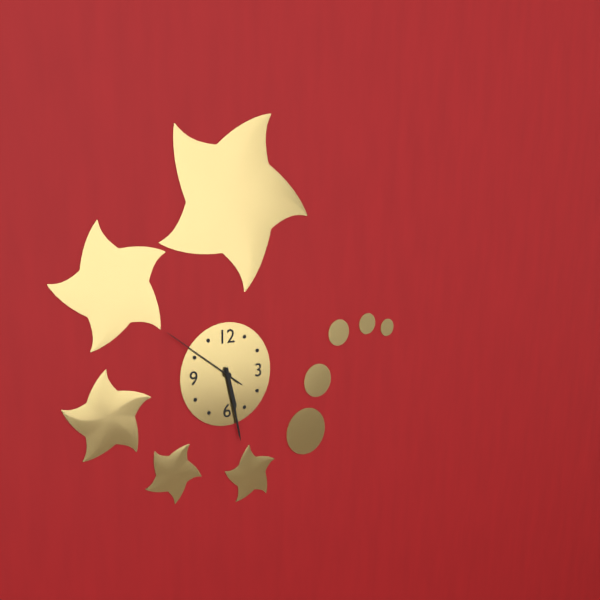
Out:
5 h 28 min 51 s
